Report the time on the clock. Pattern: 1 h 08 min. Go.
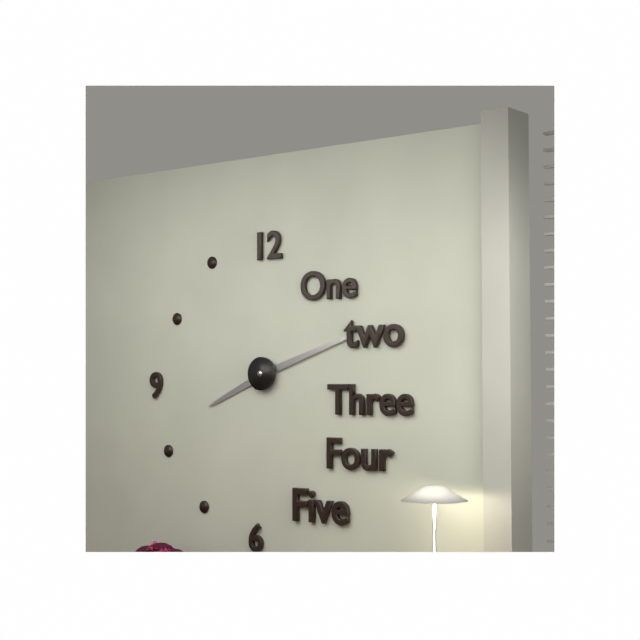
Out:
8 h 12 min
